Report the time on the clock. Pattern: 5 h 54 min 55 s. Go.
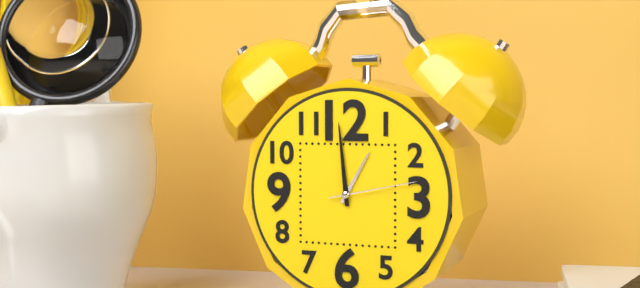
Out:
12 h 59 min 13 s
